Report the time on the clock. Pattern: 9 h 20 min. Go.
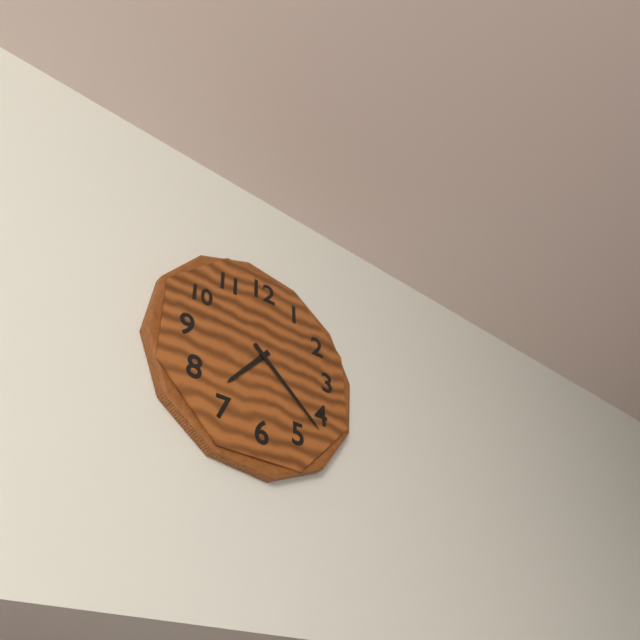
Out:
7 h 22 min
